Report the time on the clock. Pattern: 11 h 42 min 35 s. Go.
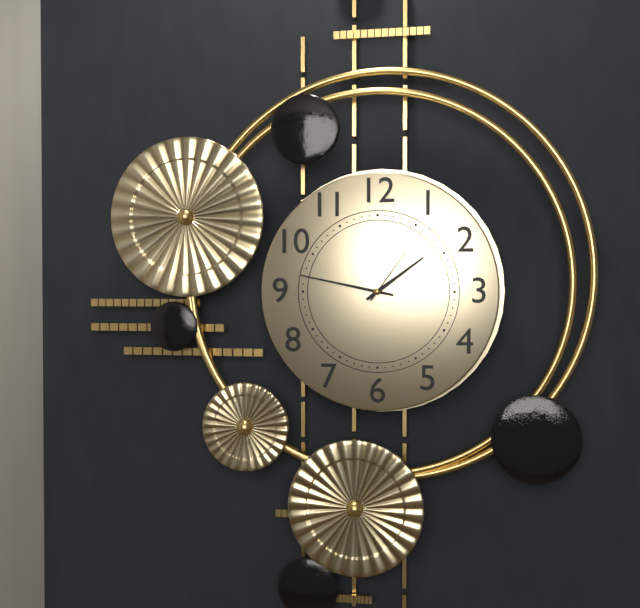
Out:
1 h 47 min 06 s
